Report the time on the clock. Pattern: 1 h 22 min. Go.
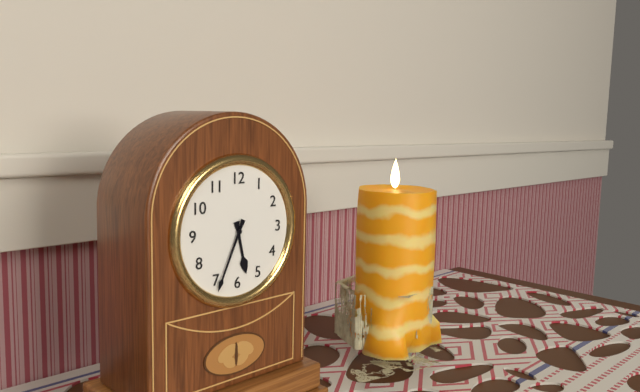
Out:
5 h 34 min
